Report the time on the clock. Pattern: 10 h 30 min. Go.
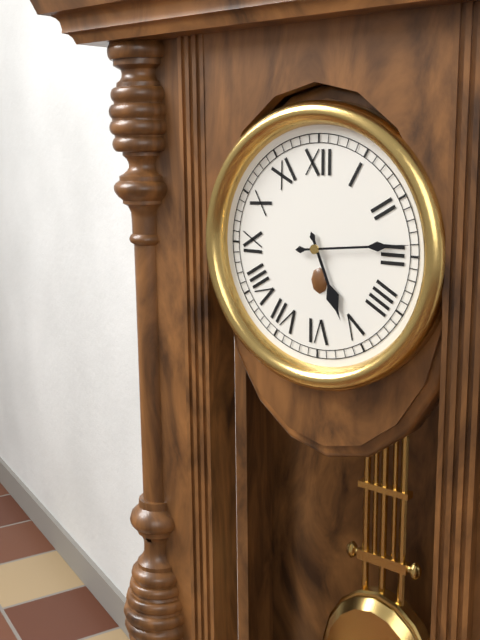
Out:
5 h 14 min
